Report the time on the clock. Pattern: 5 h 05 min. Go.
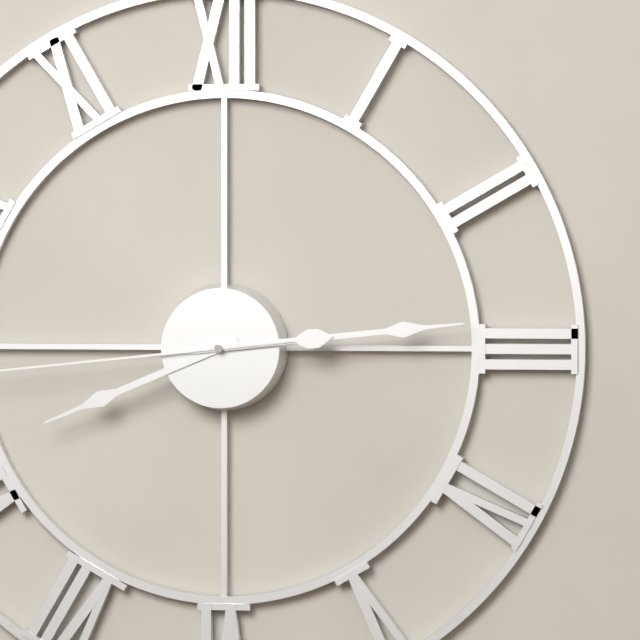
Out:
8 h 14 min
